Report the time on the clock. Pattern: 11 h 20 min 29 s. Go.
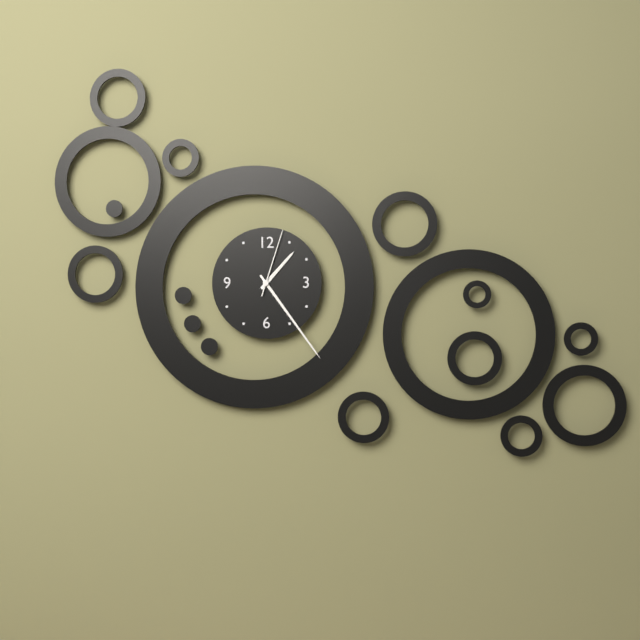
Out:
1 h 24 min 03 s
